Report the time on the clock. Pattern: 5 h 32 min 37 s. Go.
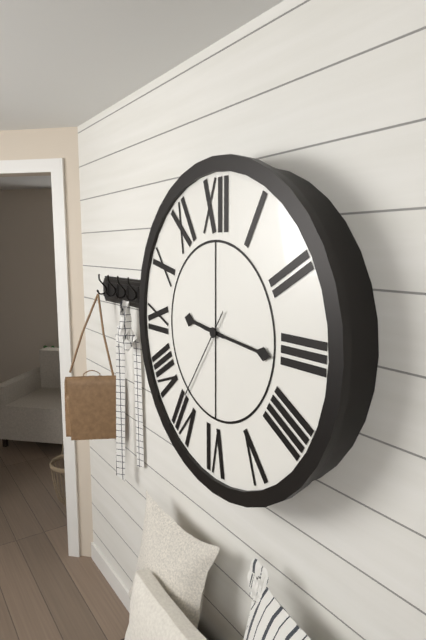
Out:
9 h 16 min 36 s
